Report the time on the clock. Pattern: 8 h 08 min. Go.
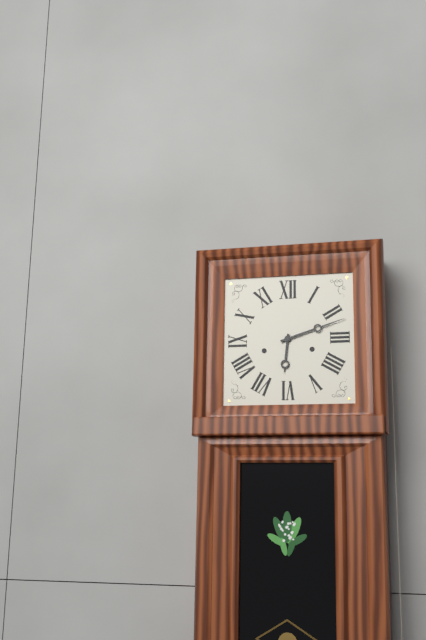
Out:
6 h 12 min
